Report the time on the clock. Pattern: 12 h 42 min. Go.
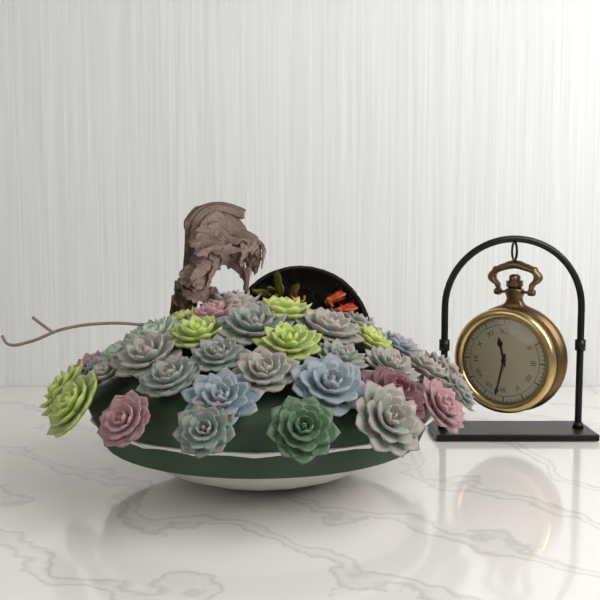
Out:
11 h 32 min
